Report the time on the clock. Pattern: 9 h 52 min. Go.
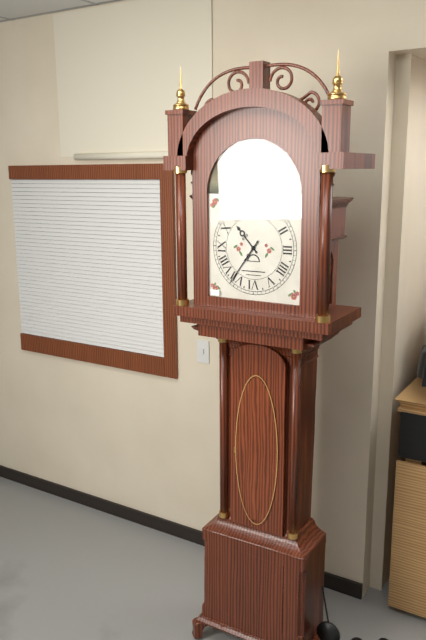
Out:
10 h 36 min
